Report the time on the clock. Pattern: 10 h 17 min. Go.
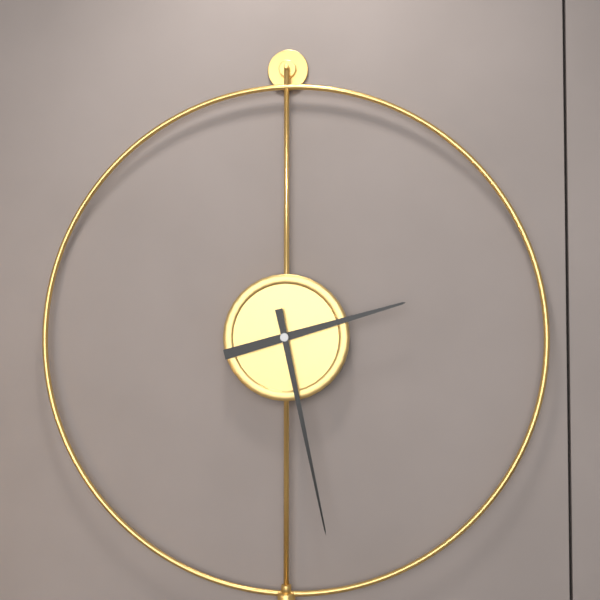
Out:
2 h 28 min
